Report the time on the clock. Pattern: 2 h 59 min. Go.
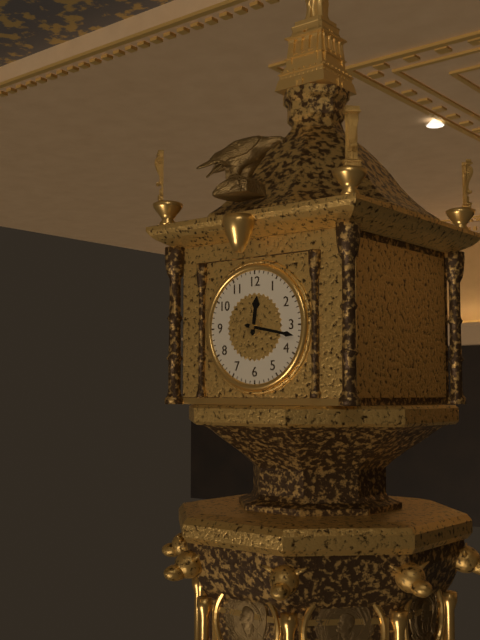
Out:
12 h 17 min
